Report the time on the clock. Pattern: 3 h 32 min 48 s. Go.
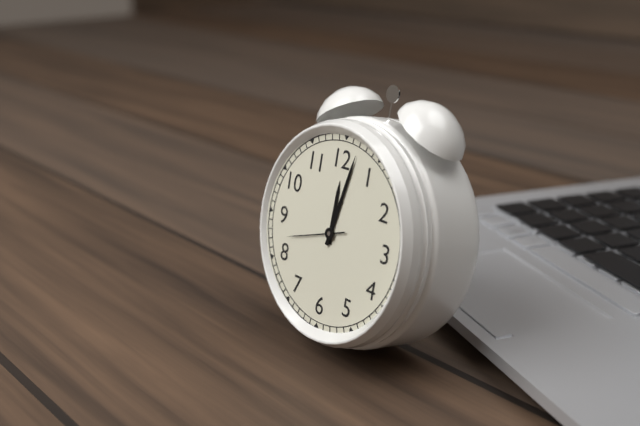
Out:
12 h 02 min 42 s
